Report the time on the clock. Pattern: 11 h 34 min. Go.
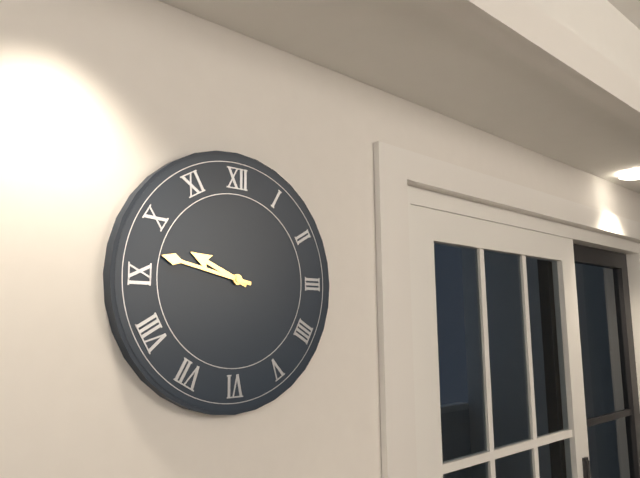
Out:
9 h 47 min
